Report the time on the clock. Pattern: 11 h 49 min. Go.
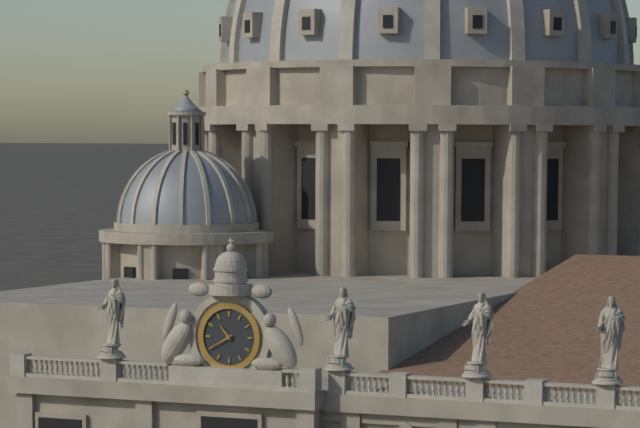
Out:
10 h 40 min
